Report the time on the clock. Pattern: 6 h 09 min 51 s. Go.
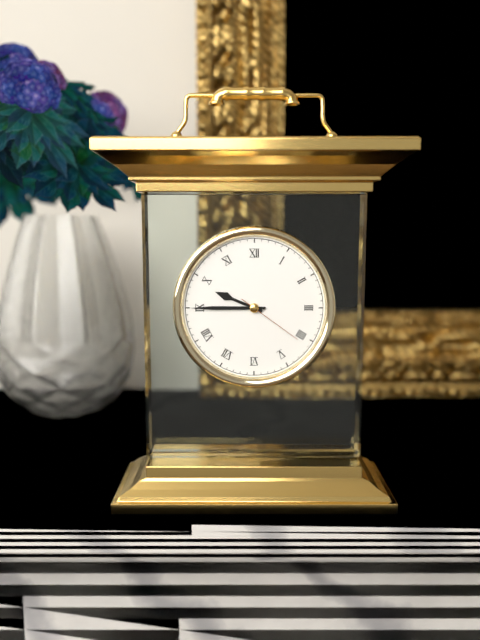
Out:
9 h 45 min 21 s
